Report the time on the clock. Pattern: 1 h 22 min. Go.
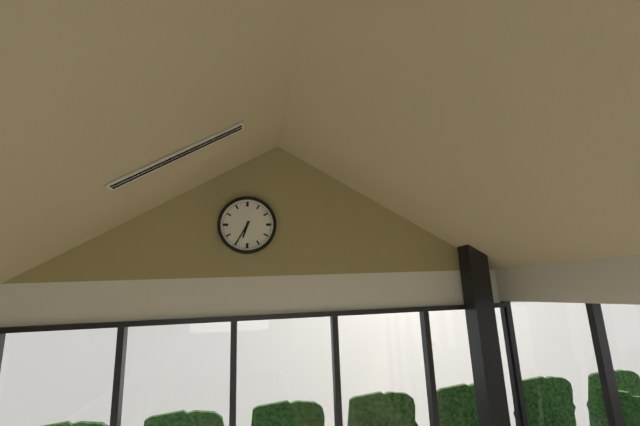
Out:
6 h 35 min
